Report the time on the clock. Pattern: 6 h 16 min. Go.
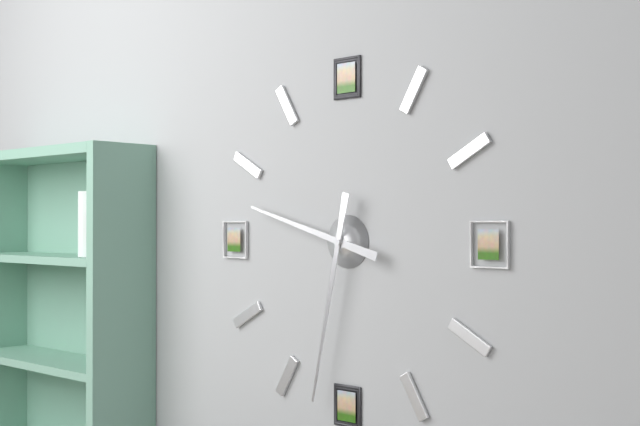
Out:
9 h 32 min
